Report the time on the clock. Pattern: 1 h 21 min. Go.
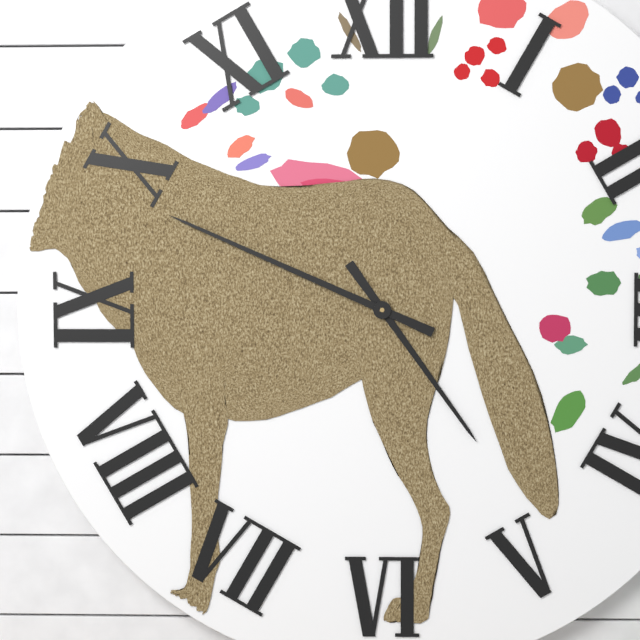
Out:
4 h 49 min
